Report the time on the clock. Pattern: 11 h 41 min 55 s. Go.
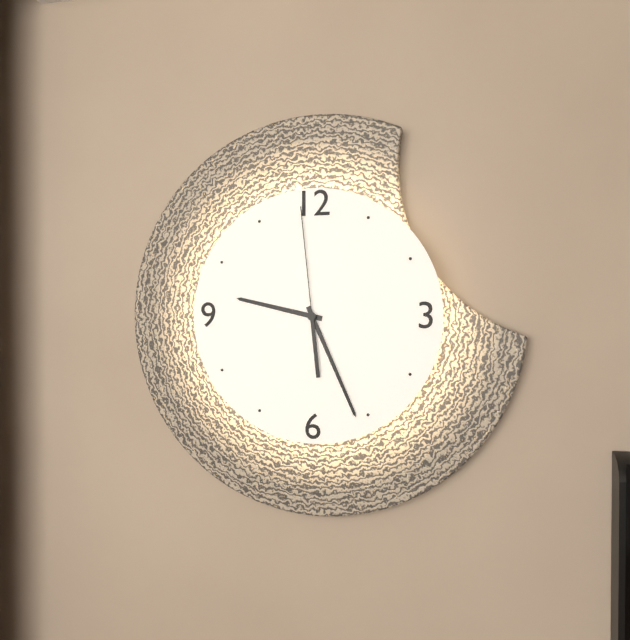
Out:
9 h 26 min 59 s
